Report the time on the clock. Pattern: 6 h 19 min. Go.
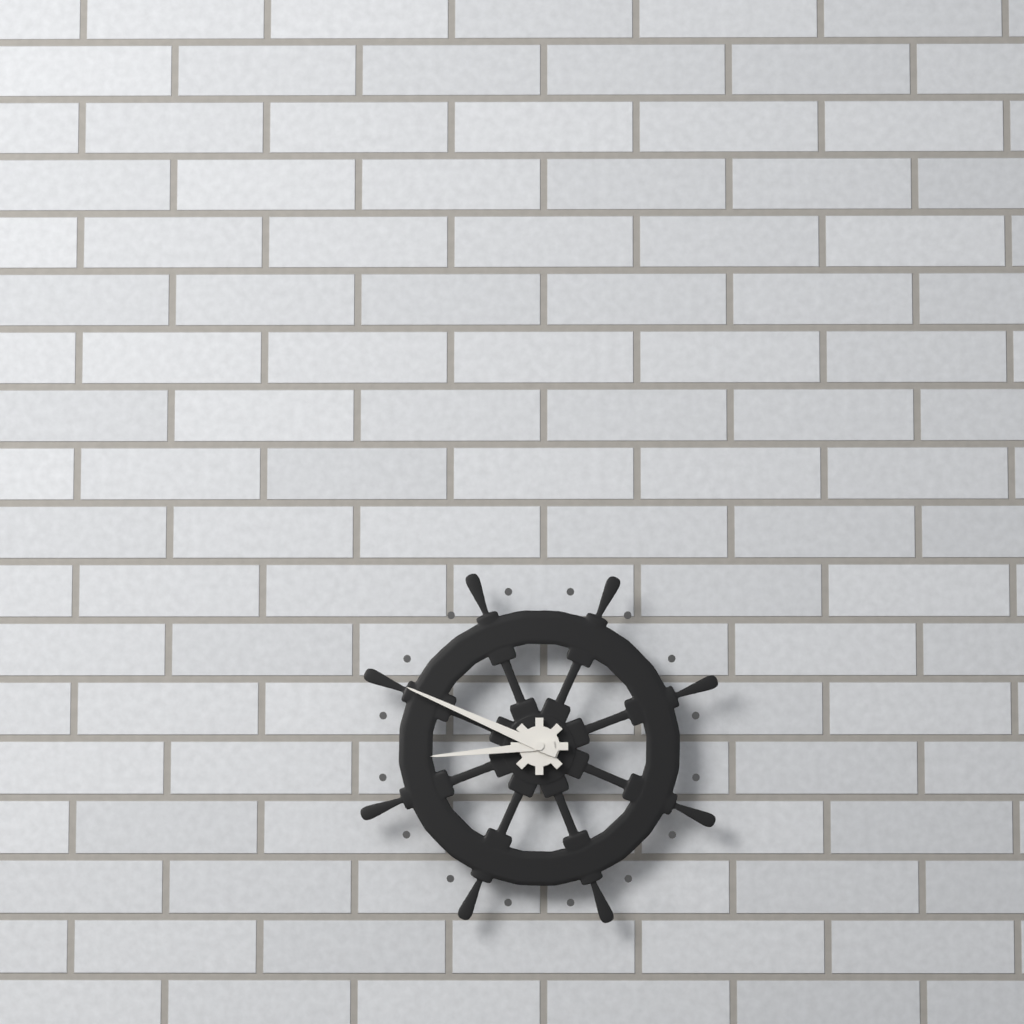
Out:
8 h 49 min
